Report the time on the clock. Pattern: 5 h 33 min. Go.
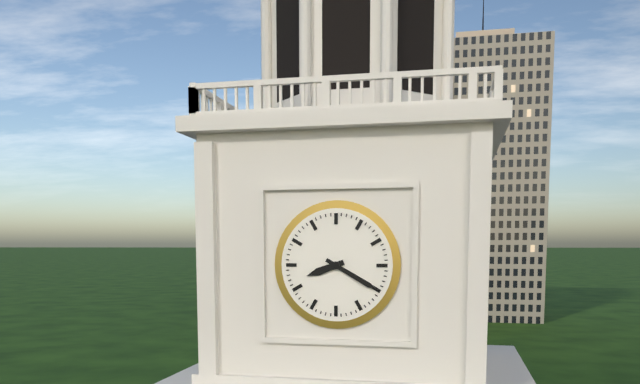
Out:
8 h 20 min
